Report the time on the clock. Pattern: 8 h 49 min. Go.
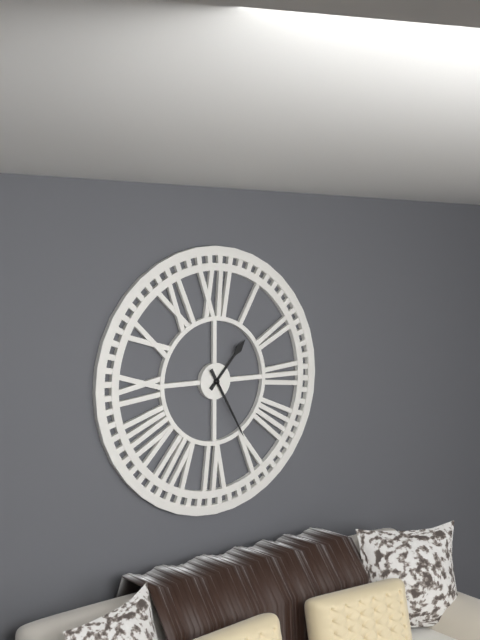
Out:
1 h 25 min
